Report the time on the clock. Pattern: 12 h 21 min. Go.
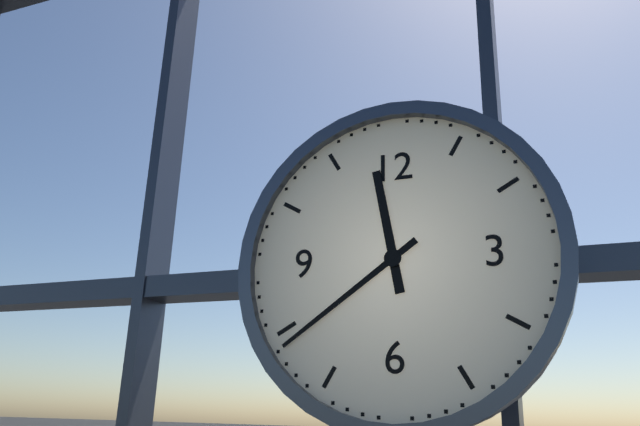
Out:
11 h 39 min
